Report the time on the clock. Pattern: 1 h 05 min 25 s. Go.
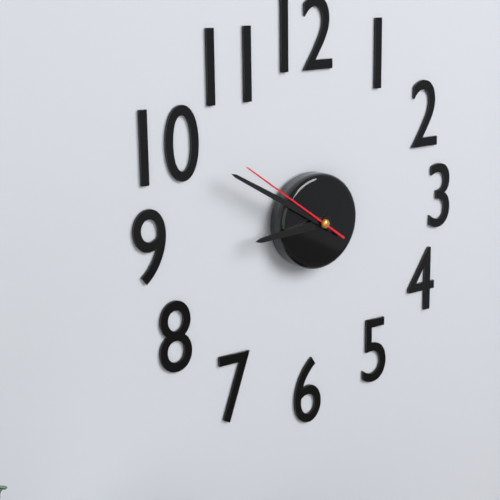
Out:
8 h 50 min 51 s
